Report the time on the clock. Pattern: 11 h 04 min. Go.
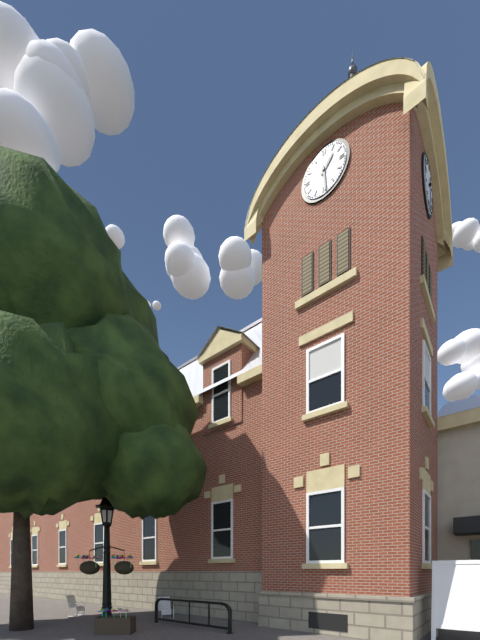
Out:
1 h 29 min
